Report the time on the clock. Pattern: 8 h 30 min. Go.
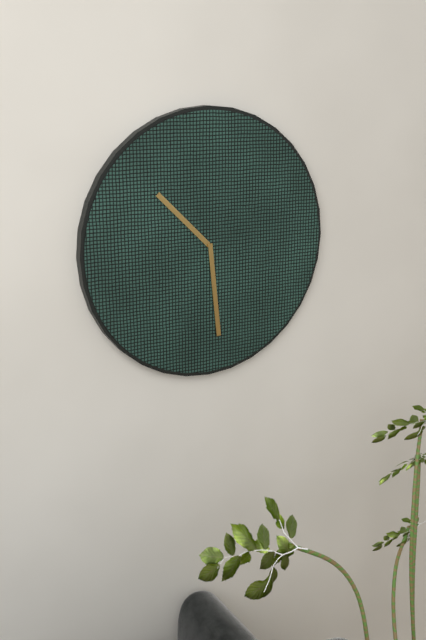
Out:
10 h 29 min
